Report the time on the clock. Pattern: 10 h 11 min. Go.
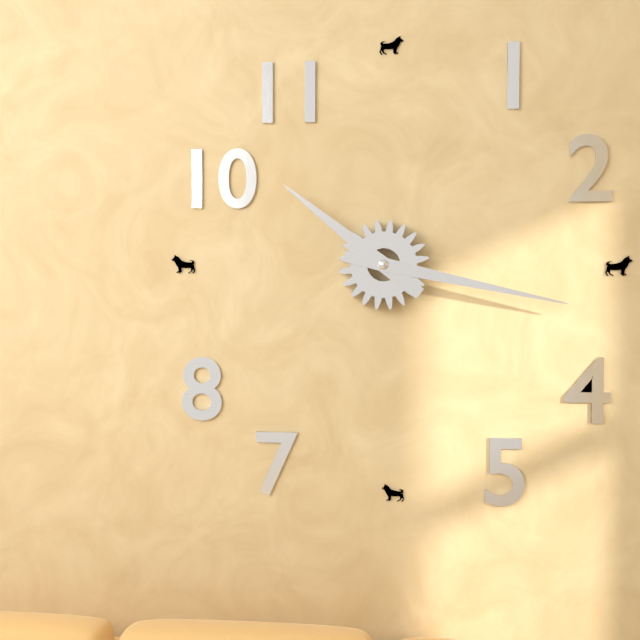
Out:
10 h 17 min
